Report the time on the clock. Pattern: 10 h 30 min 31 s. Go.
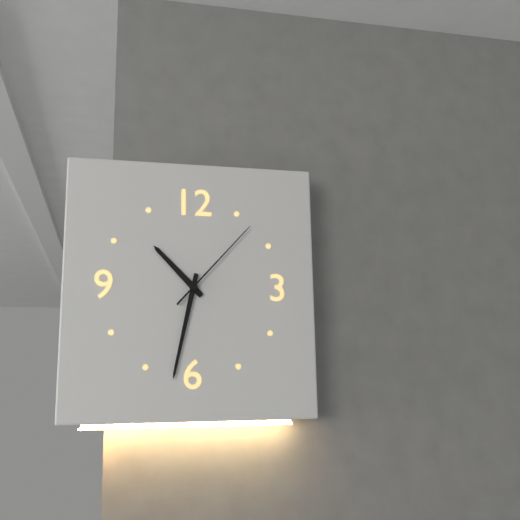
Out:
10 h 32 min 07 s
